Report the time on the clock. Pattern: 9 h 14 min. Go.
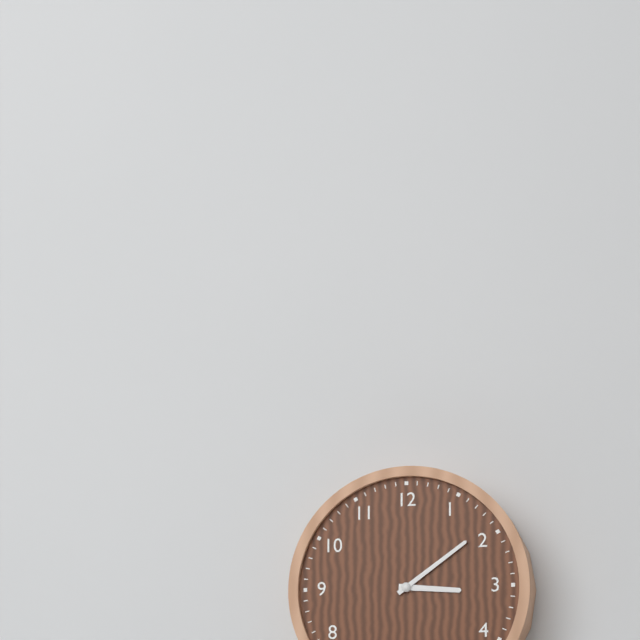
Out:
3 h 09 min
